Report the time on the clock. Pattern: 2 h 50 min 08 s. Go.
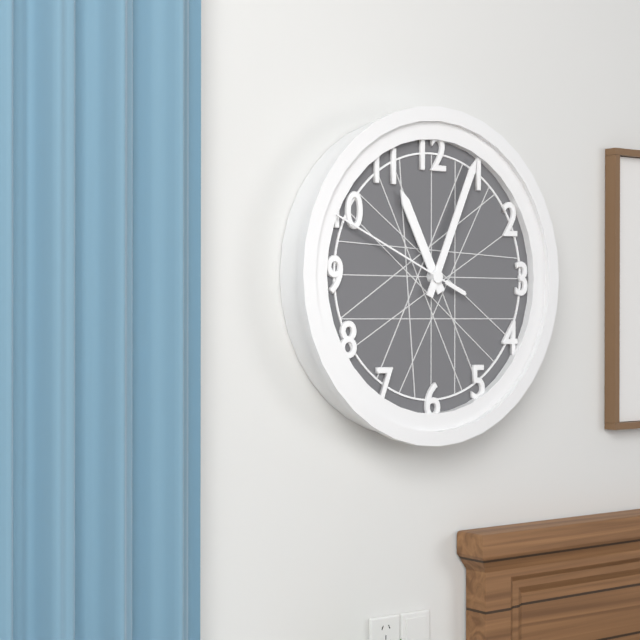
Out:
11 h 04 min 49 s
